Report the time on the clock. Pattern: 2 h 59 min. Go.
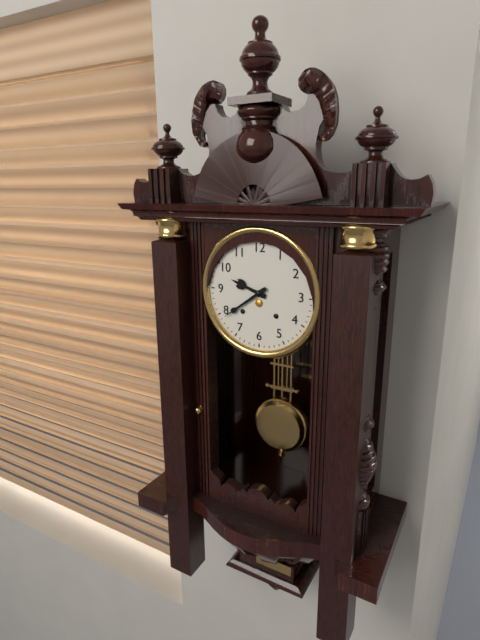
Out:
9 h 39 min
